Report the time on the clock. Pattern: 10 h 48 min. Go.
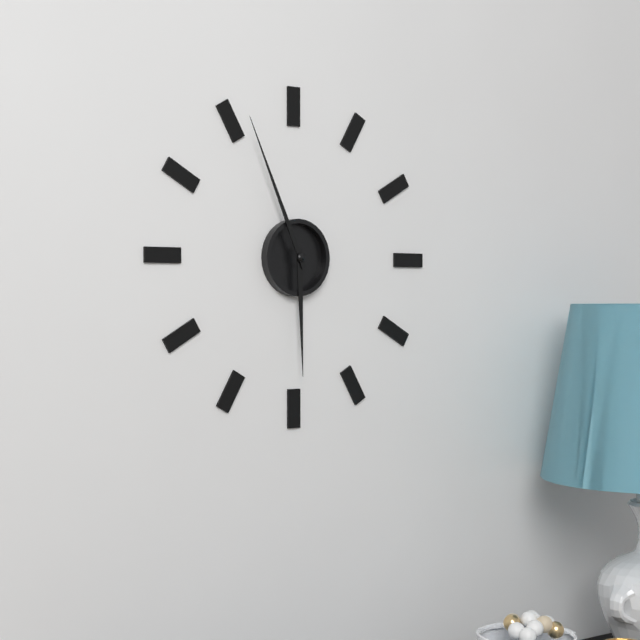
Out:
5 h 56 min
